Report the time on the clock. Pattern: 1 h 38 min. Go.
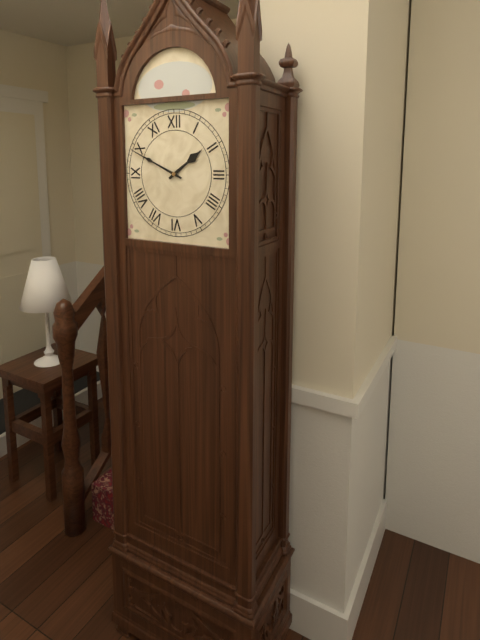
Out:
1 h 49 min
